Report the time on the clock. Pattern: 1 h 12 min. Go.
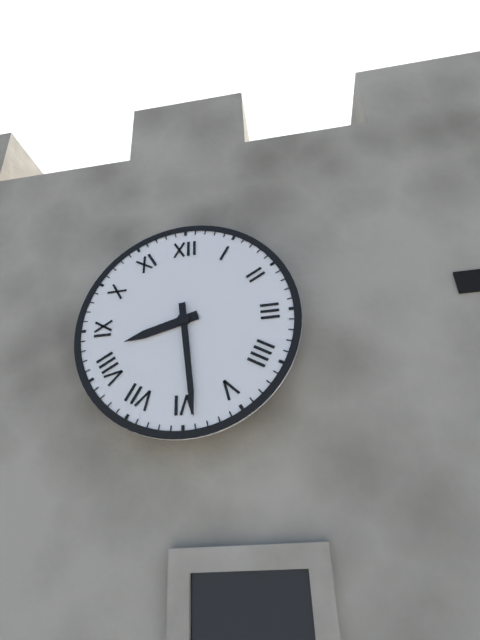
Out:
8 h 29 min
